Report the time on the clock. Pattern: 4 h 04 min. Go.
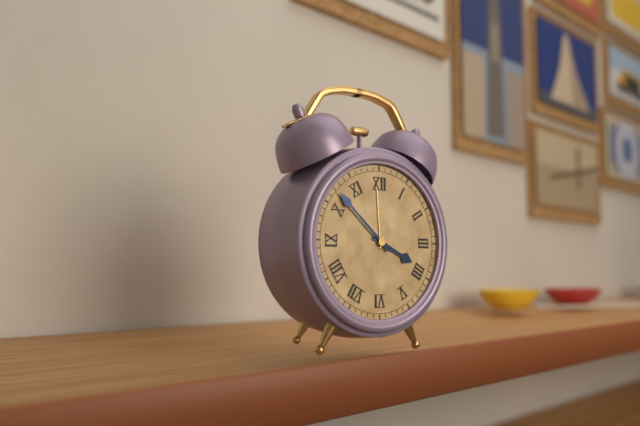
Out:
3 h 52 min
